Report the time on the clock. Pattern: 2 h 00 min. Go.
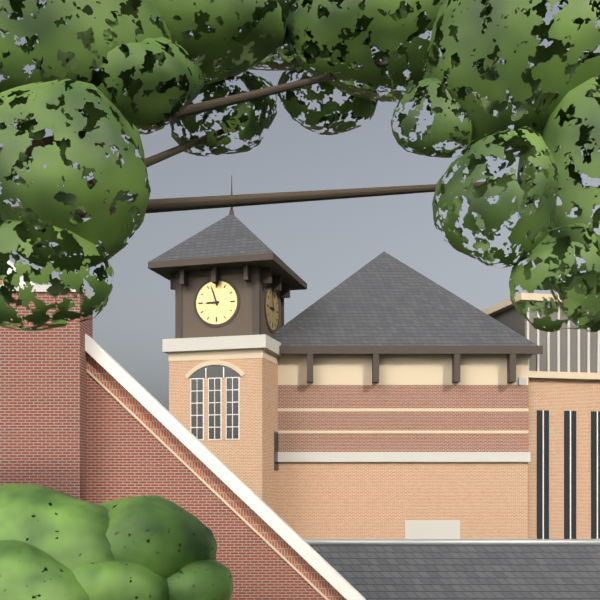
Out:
8 h 57 min
